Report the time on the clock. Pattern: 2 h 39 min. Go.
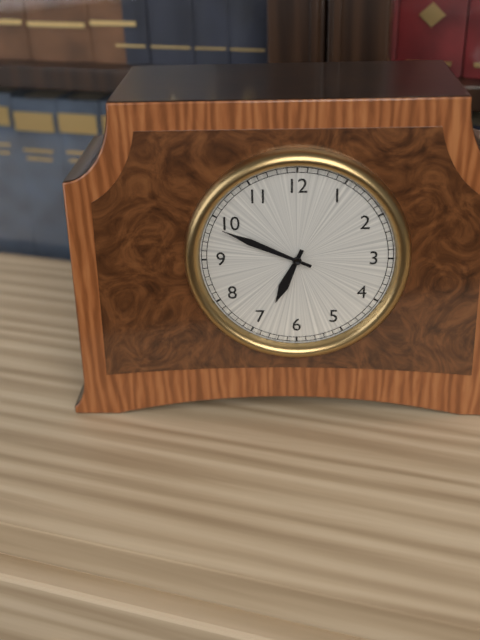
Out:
6 h 49 min
